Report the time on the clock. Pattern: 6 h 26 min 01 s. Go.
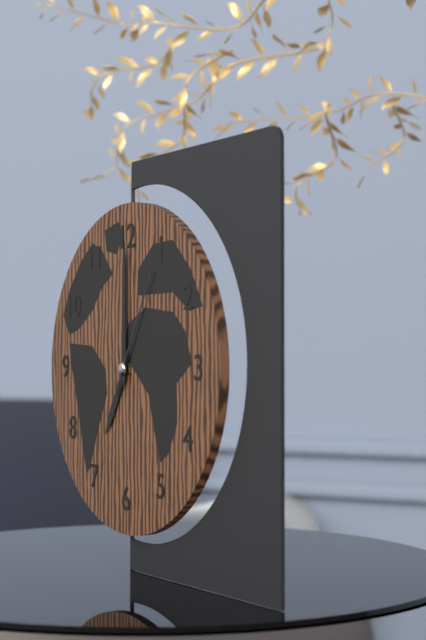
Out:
7 h 00 min 05 s
